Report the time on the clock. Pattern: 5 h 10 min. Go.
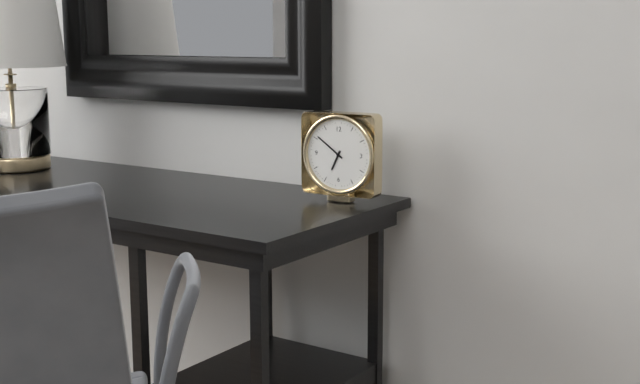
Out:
6 h 51 min
